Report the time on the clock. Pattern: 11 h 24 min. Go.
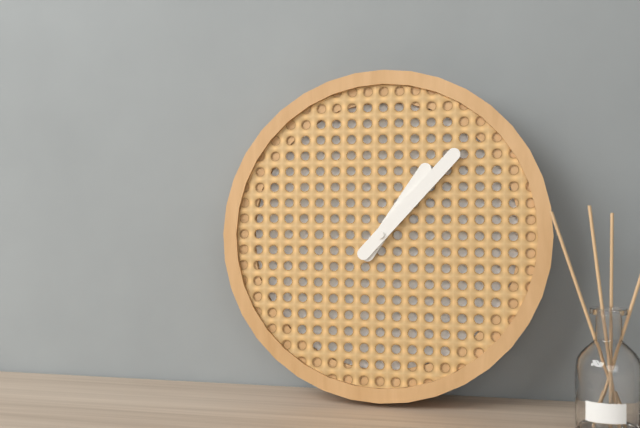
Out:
1 h 07 min
